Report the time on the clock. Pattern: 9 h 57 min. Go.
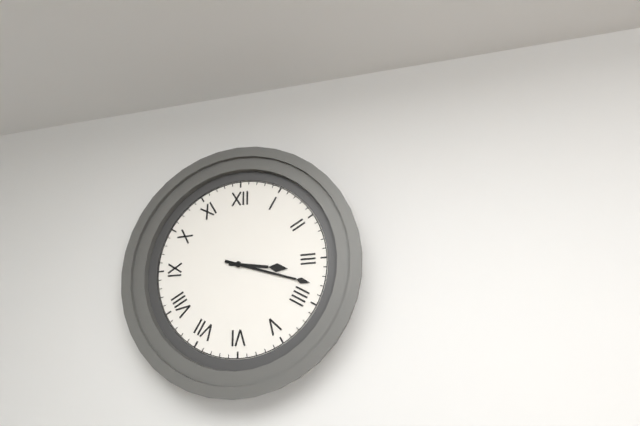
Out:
3 h 18 min
